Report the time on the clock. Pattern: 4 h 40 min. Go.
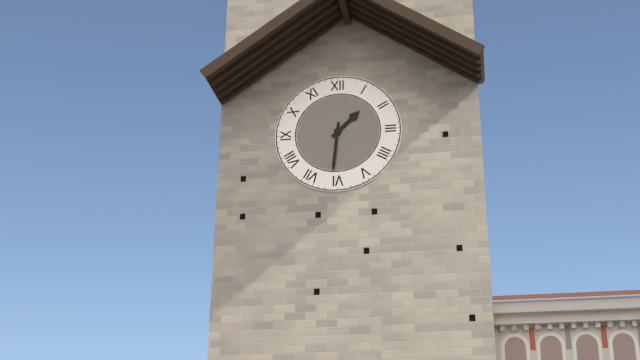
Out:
1 h 31 min
